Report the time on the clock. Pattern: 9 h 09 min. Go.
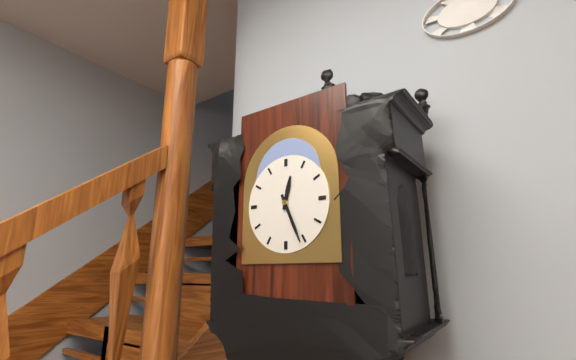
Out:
12 h 26 min
